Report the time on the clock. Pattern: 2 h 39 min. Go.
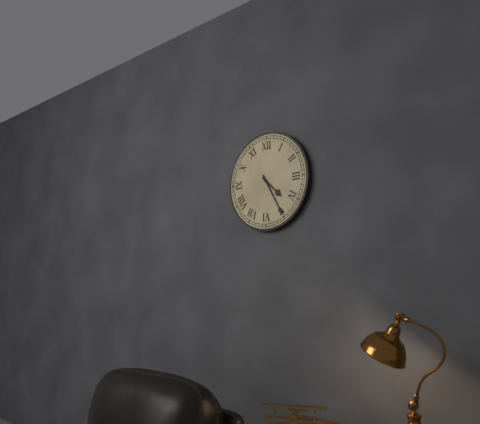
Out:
4 h 25 min
